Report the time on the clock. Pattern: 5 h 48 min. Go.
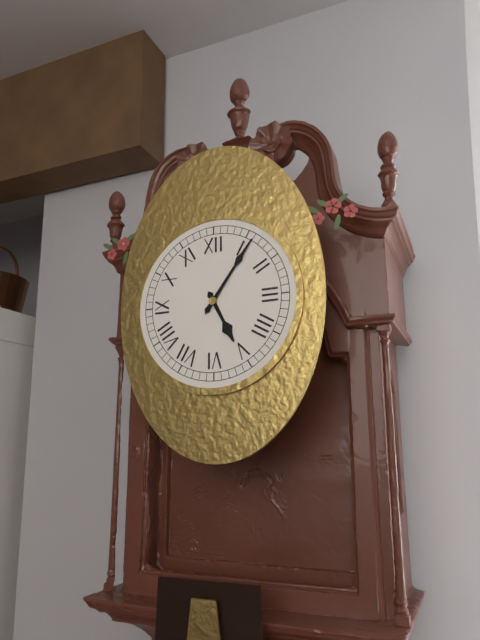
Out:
5 h 06 min
